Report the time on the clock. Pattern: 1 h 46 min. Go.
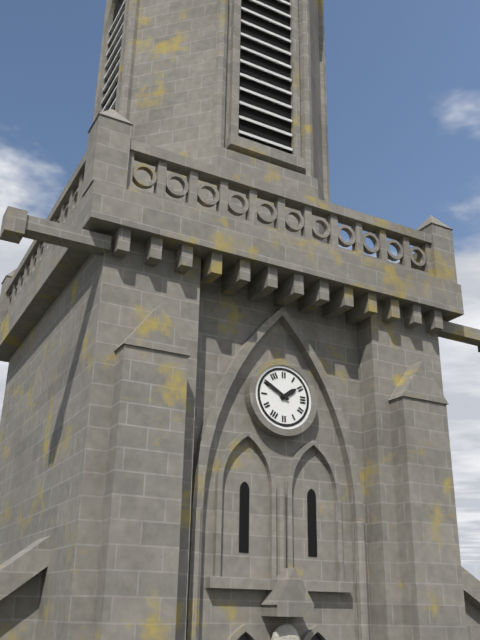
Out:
1 h 50 min
